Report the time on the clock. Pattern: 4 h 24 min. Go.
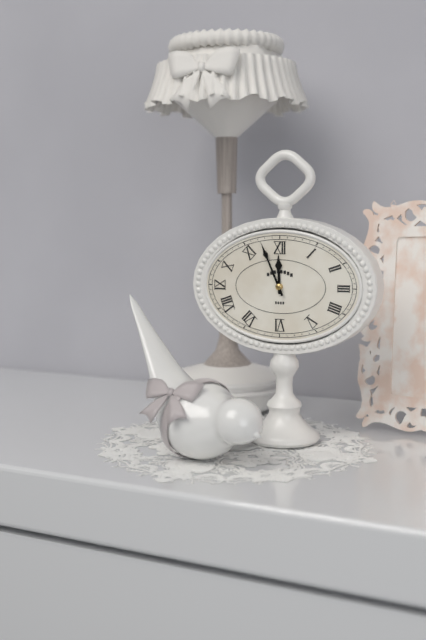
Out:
11 h 56 min
